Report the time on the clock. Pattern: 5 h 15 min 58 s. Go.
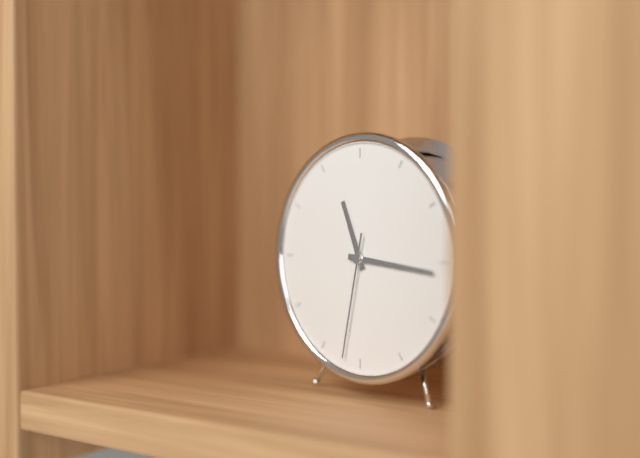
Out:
11 h 16 min 32 s
